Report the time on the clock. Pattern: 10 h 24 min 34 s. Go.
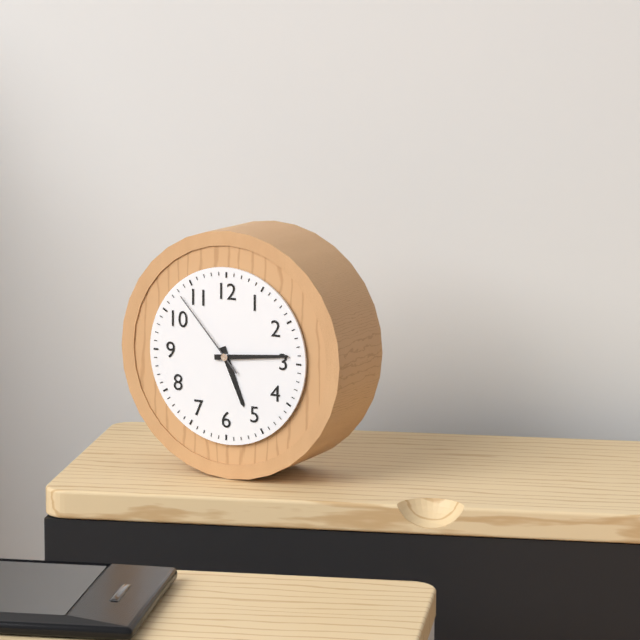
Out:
5 h 14 min 53 s
